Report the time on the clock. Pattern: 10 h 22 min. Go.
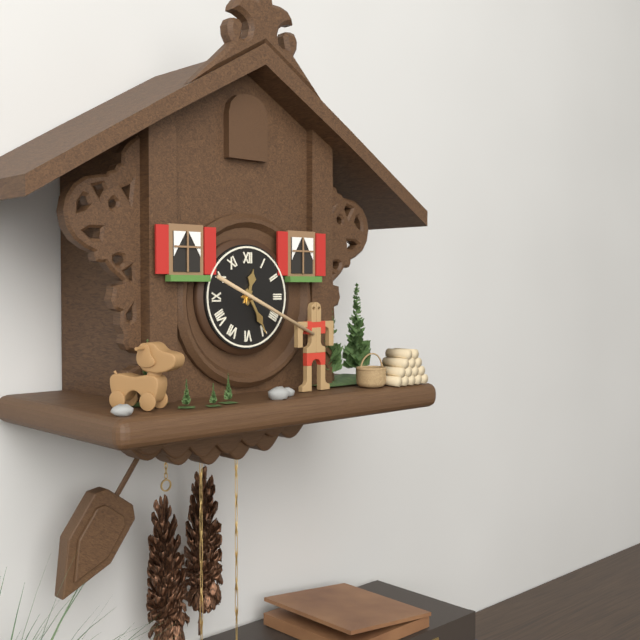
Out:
12 h 25 min
